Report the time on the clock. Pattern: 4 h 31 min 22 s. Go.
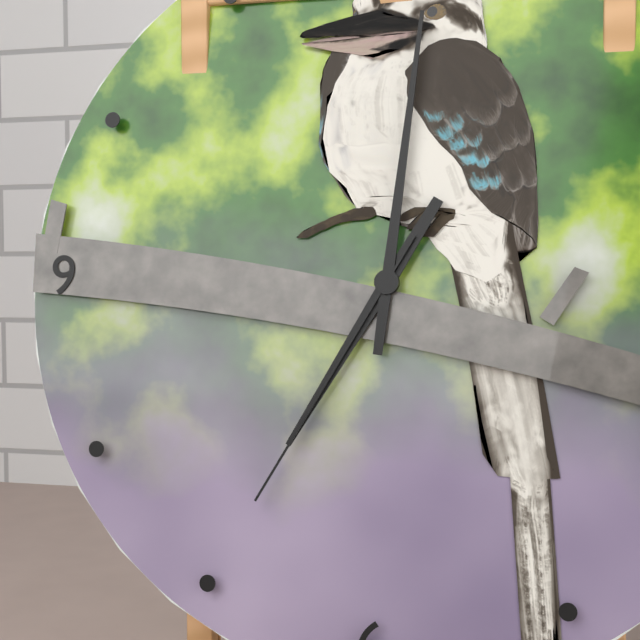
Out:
7 h 01 min 35 s
